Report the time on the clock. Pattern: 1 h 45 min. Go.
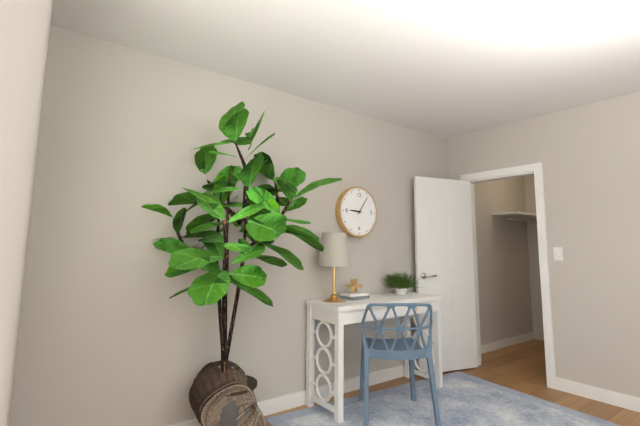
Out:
9 h 06 min
